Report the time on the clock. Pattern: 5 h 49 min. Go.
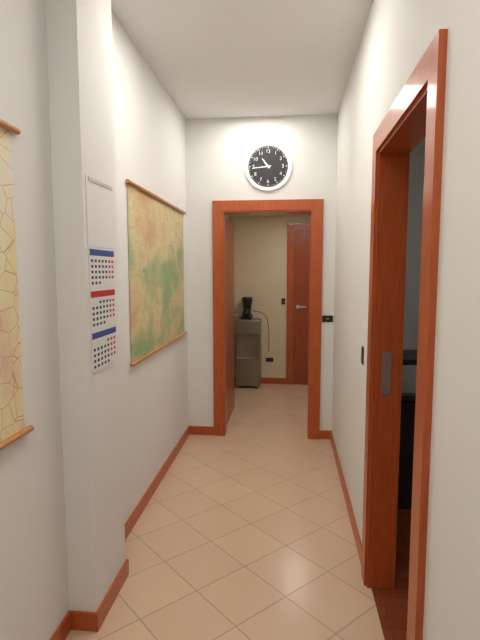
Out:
10 h 44 min
